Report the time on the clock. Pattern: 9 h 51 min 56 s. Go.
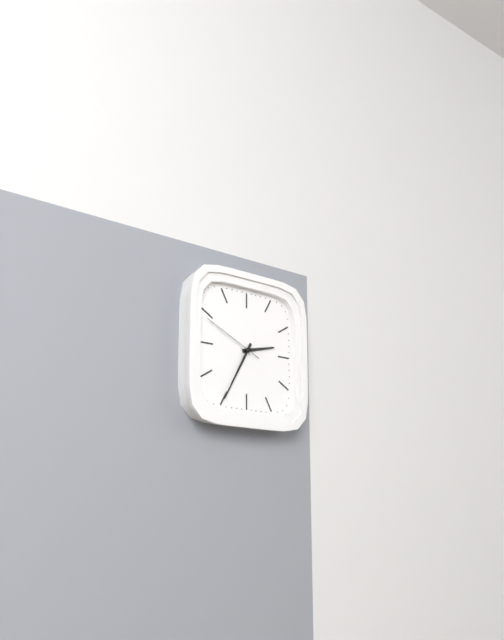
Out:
2 h 35 min 49 s
